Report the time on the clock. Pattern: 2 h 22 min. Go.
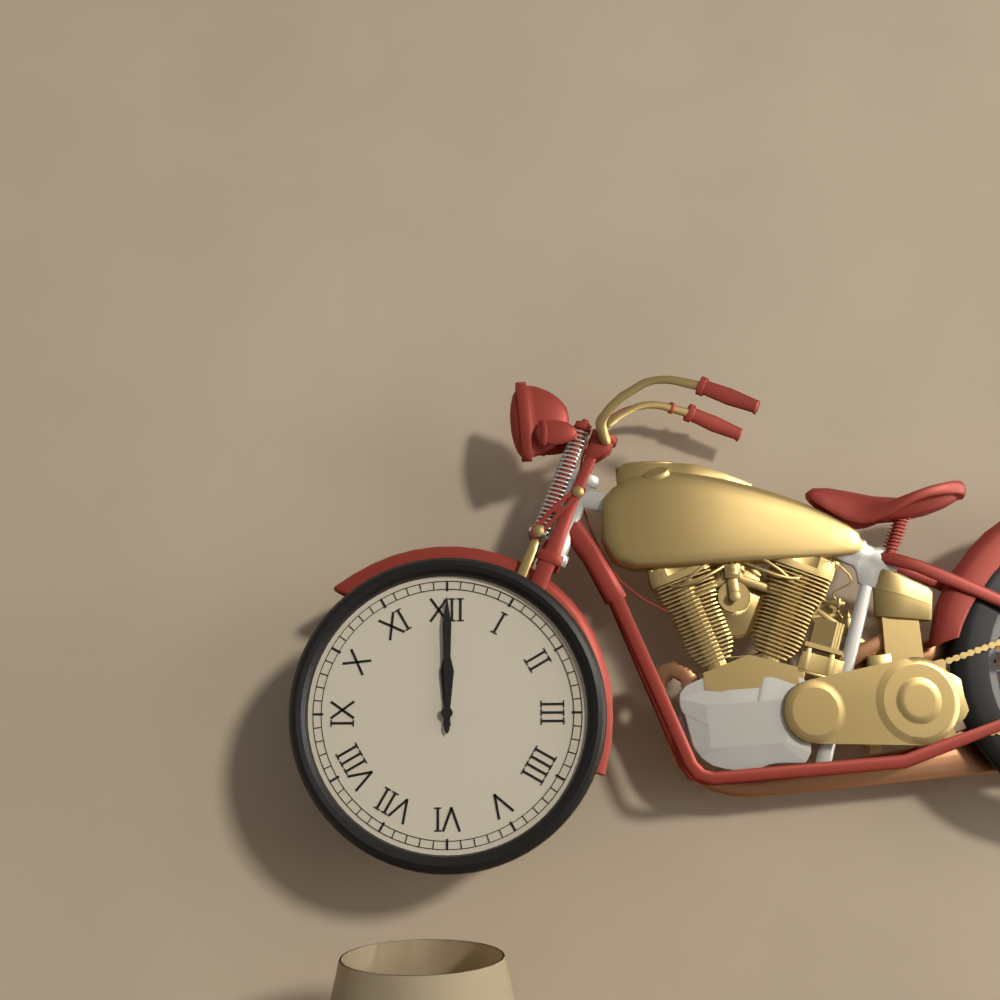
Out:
12 h 00 min
